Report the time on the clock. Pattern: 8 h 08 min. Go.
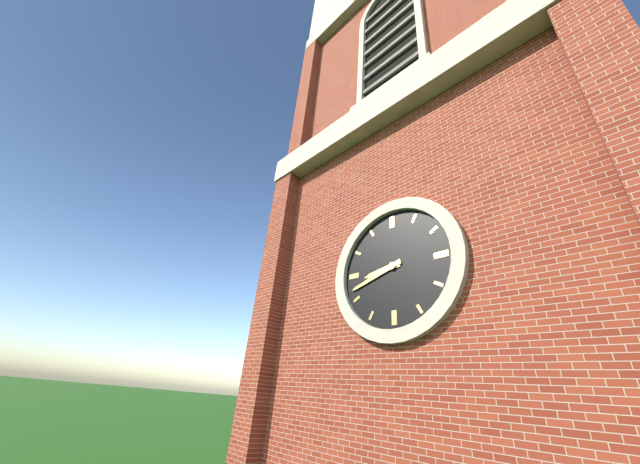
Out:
8 h 42 min
